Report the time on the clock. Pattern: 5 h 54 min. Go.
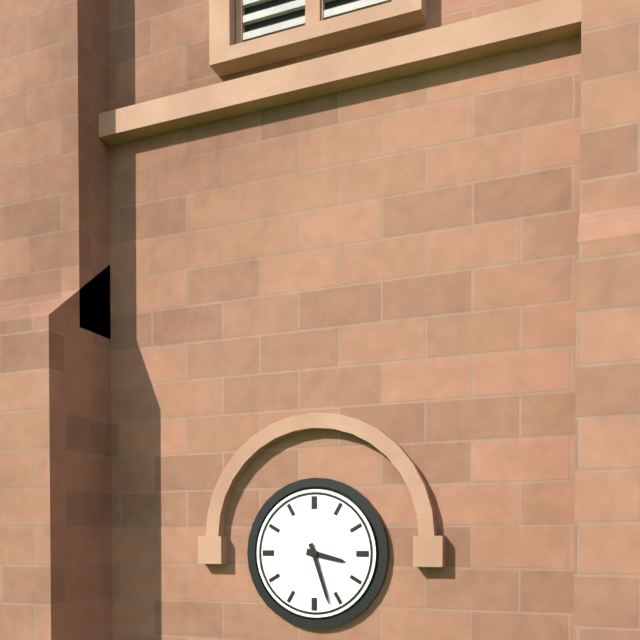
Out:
3 h 27 min
